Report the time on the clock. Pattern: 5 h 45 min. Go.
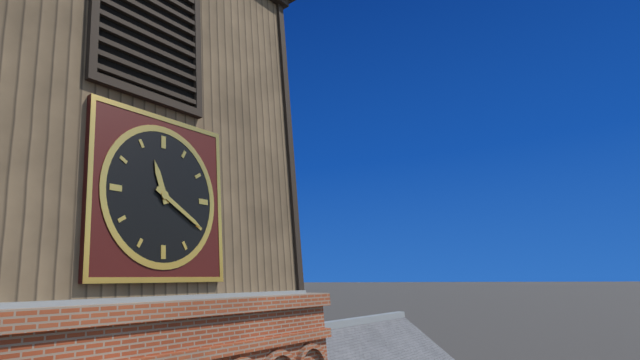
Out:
11 h 20 min
